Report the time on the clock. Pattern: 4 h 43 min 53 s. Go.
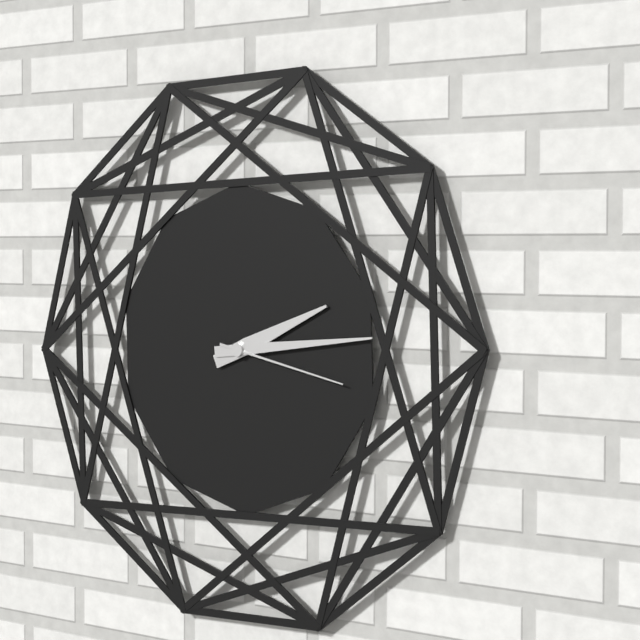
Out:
2 h 14 min 17 s
